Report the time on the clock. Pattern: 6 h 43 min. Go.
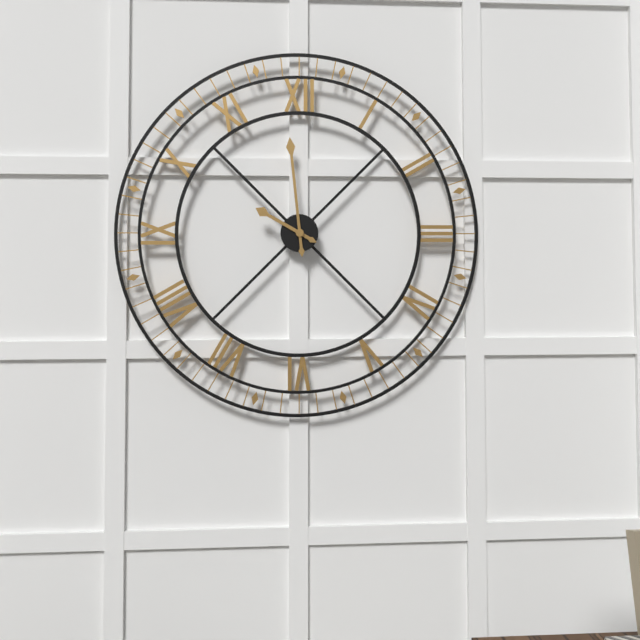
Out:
9 h 59 min
